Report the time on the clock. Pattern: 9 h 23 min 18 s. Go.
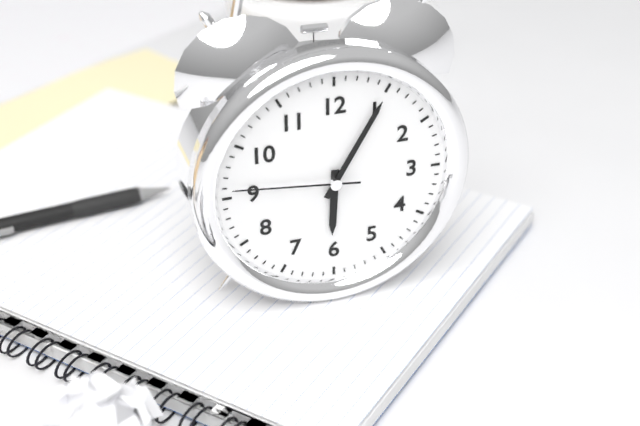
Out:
6 h 05 min 46 s
